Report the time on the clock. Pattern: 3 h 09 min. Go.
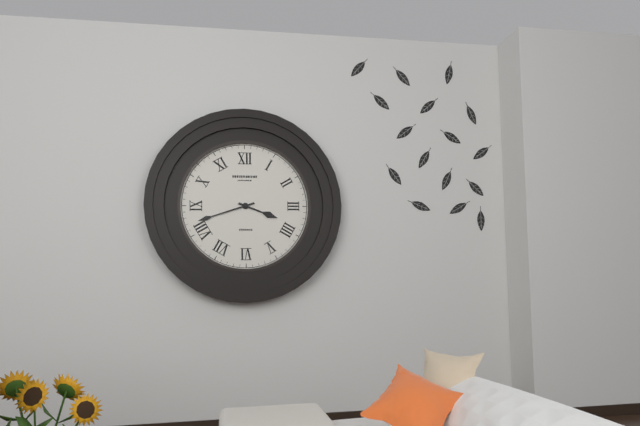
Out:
3 h 42 min
